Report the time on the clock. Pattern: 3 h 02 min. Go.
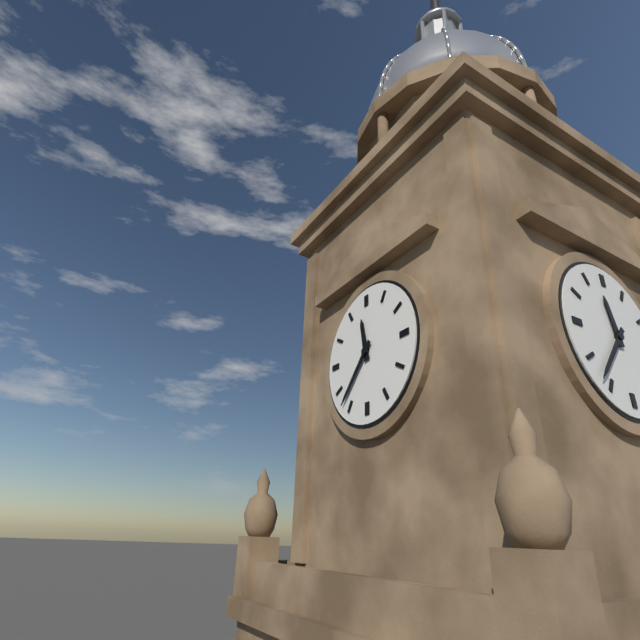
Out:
11 h 37 min
